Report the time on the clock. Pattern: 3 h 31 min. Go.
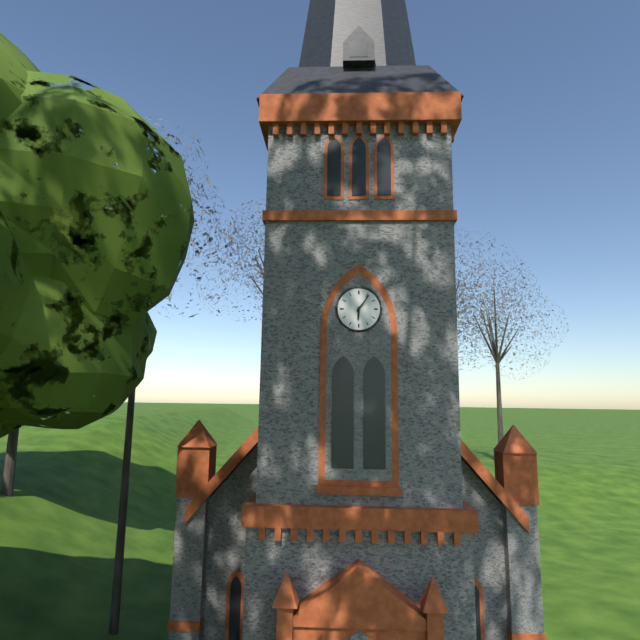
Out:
6 h 06 min
